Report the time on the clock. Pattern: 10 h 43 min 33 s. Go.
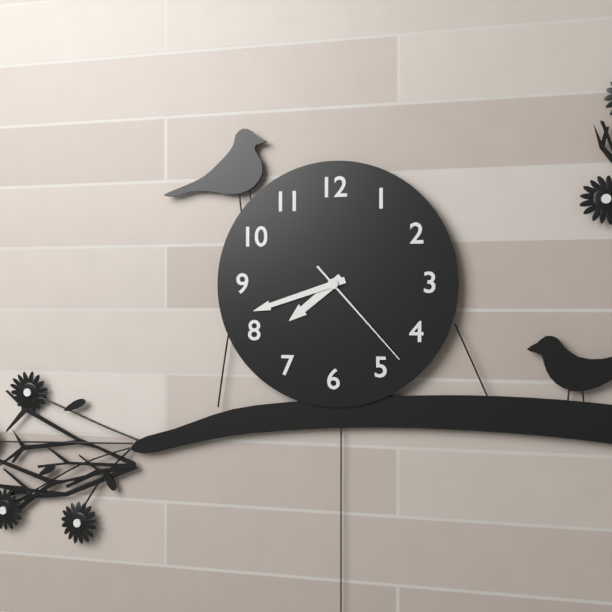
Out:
7 h 42 min 23 s
